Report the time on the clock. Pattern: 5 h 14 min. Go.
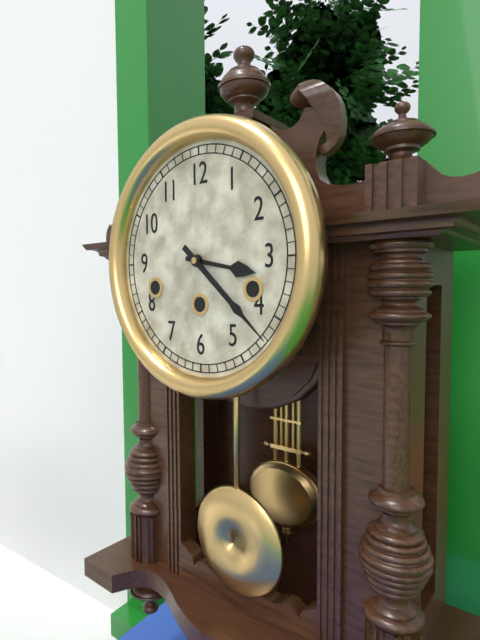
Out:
3 h 22 min
